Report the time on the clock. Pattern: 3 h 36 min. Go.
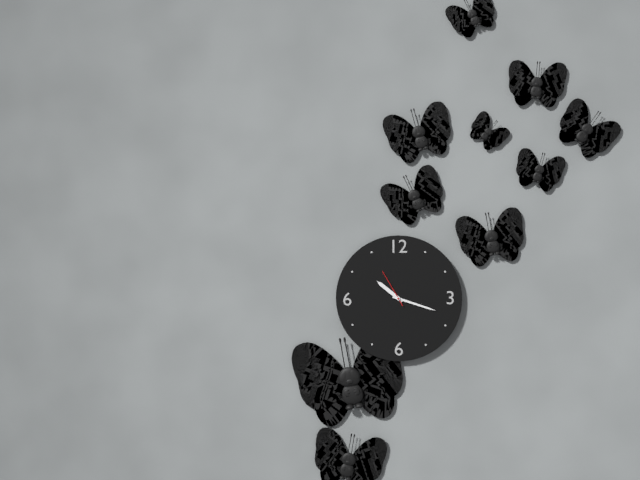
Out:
10 h 18 min
